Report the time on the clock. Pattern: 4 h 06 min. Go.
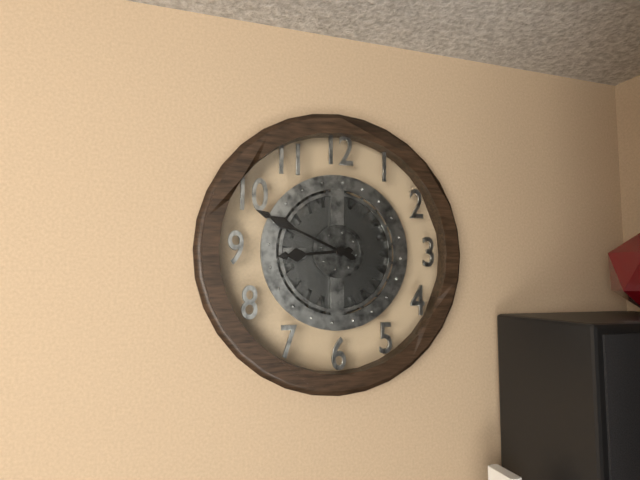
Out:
8 h 49 min
